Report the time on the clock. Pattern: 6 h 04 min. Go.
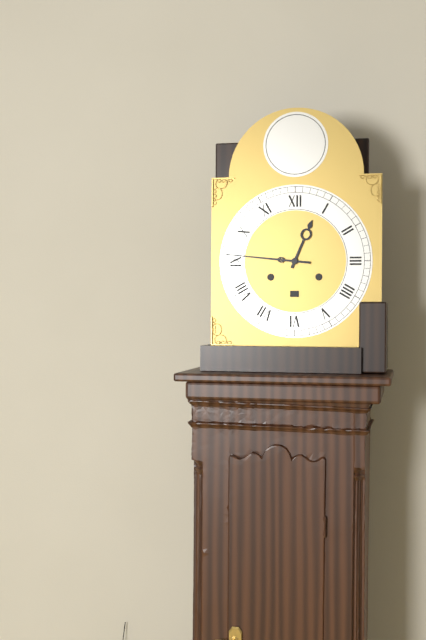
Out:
12 h 46 min
